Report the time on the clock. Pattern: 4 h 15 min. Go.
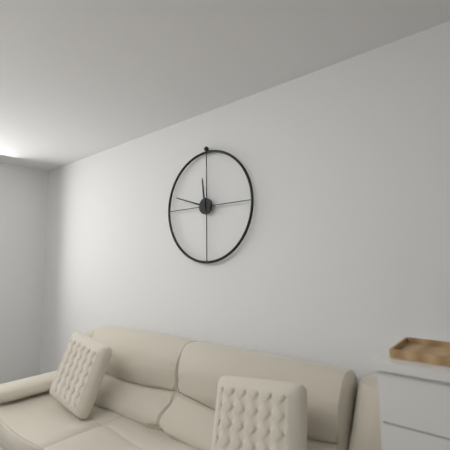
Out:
11 h 48 min
